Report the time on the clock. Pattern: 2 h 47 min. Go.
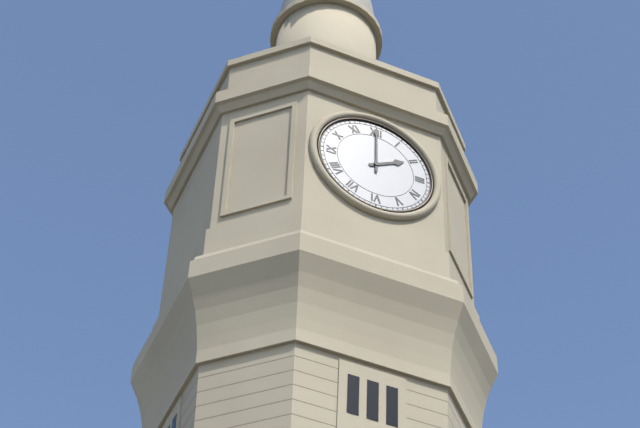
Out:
2 h 00 min
